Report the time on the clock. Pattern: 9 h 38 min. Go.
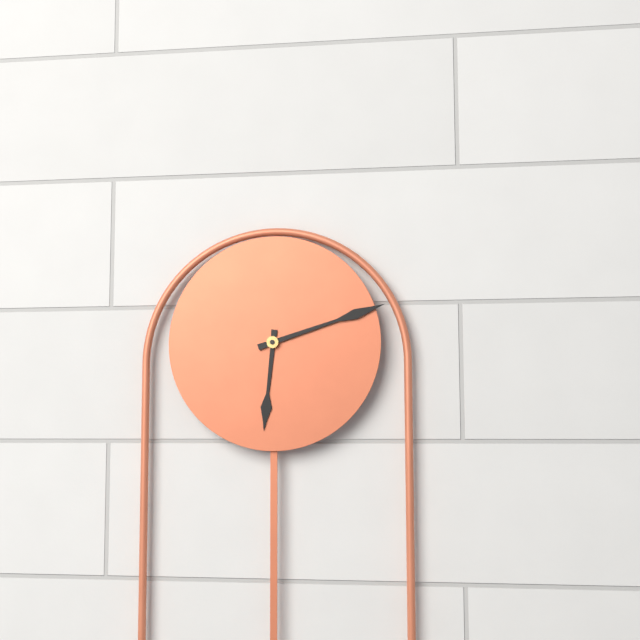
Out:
6 h 12 min
